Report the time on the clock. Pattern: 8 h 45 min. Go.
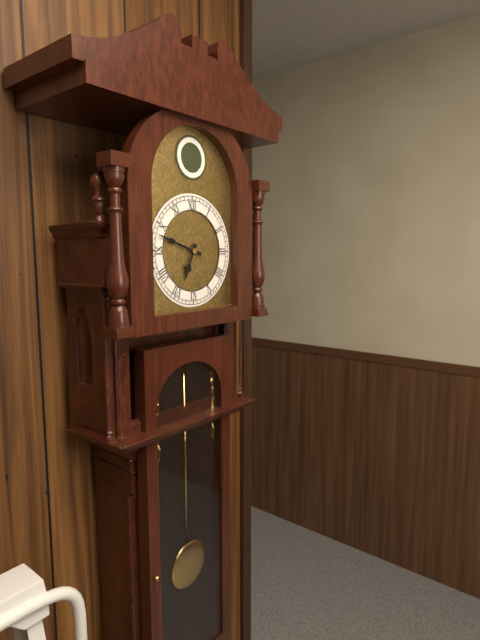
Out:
6 h 48 min
